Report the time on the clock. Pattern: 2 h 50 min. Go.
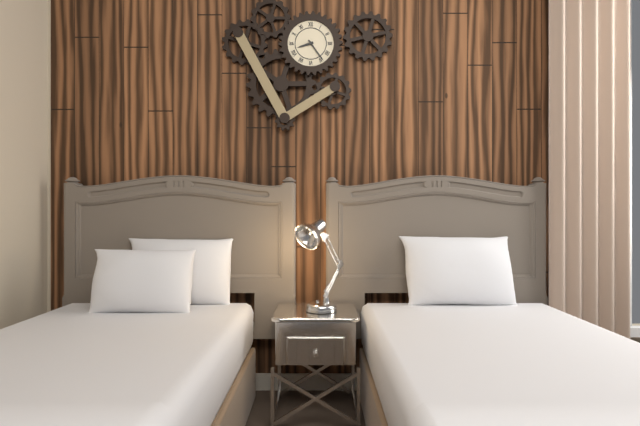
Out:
8 h 24 min
